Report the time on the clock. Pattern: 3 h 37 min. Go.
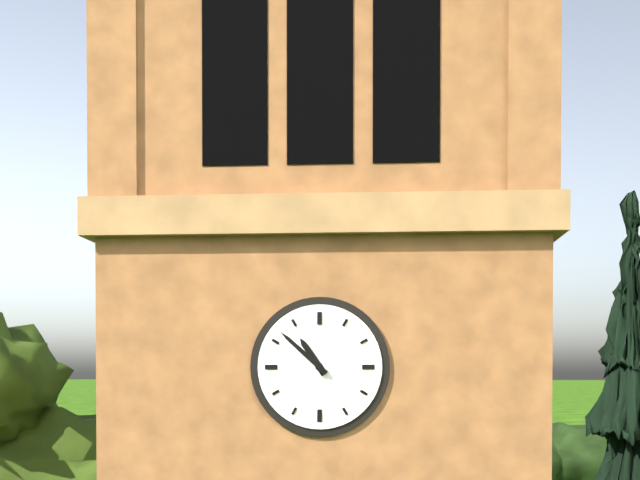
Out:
10 h 52 min
